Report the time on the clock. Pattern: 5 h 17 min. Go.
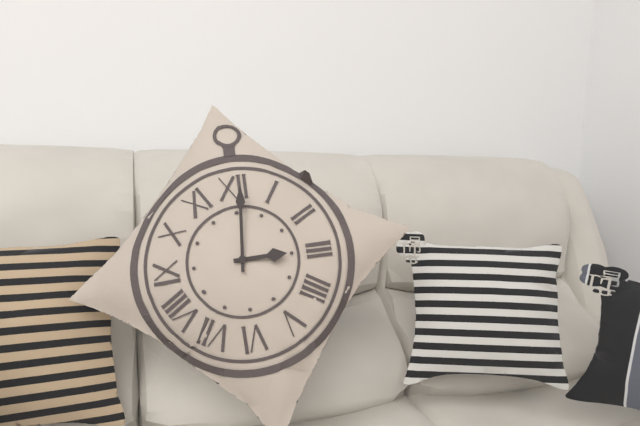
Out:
3 h 01 min
